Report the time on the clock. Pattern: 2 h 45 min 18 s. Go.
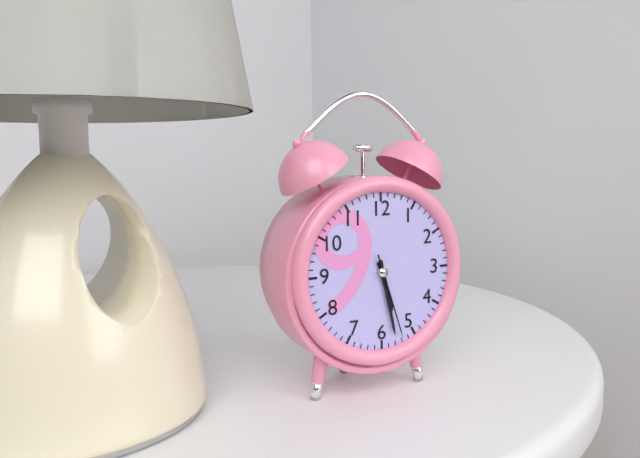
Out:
5 h 28 min 27 s
